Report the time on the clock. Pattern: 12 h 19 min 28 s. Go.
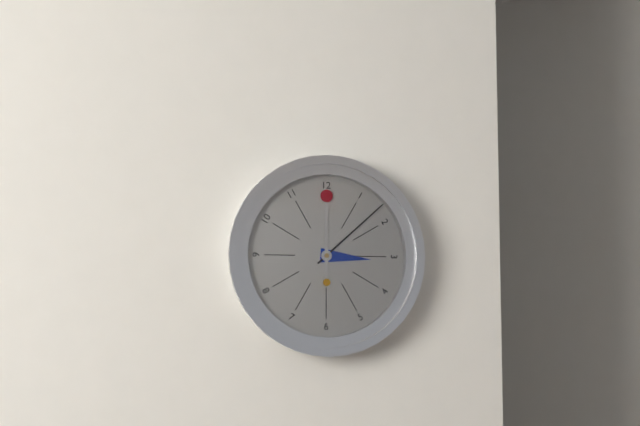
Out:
3 h 08 min 00 s
